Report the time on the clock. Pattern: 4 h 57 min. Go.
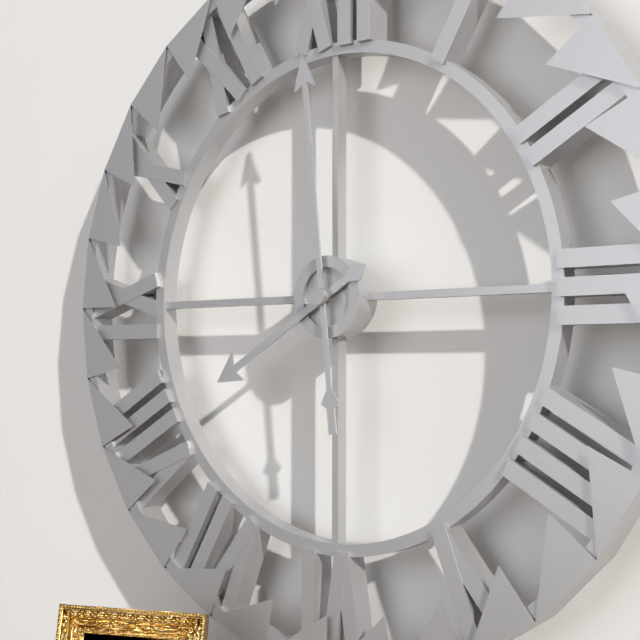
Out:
7 h 59 min
